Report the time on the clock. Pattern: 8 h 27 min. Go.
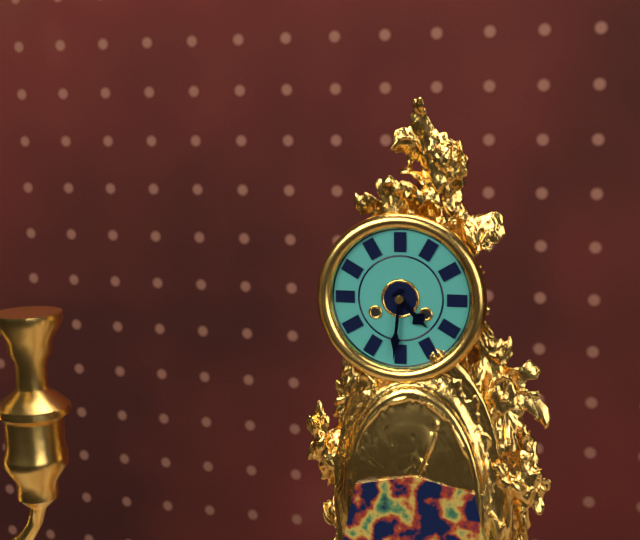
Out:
4 h 31 min
